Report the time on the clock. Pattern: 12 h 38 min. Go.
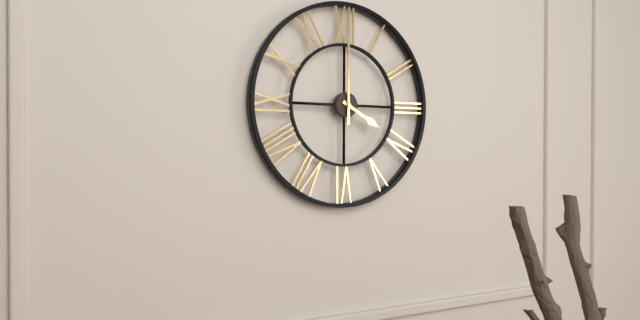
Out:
4 h 00 min
